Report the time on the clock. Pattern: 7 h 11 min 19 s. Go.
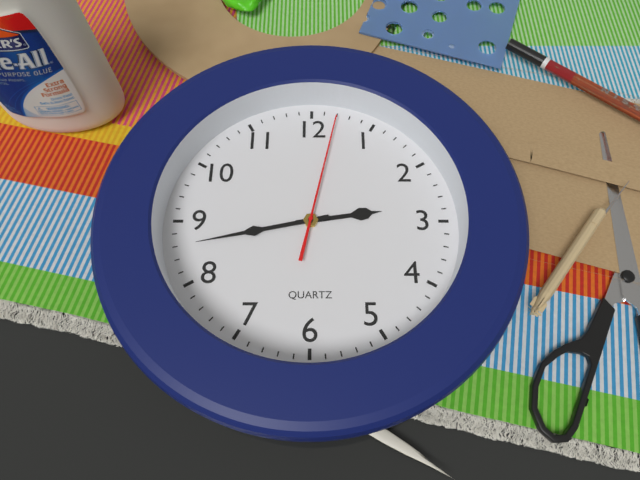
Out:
2 h 43 min 02 s
